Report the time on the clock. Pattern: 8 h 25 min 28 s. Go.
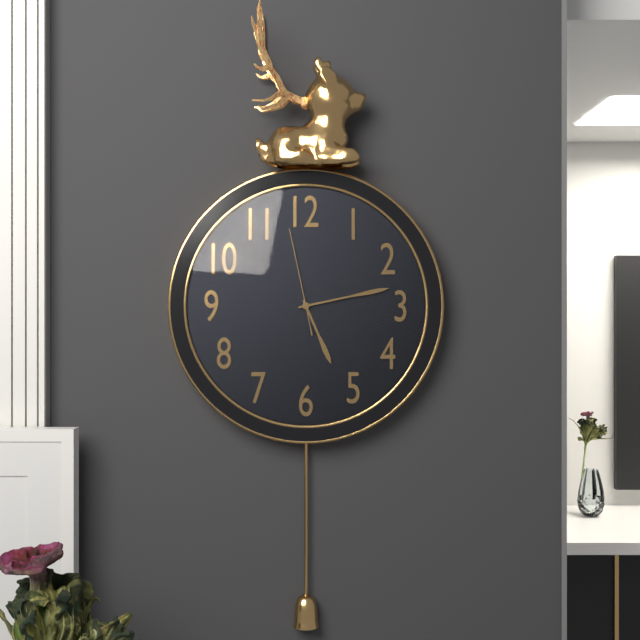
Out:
5 h 13 min 58 s
